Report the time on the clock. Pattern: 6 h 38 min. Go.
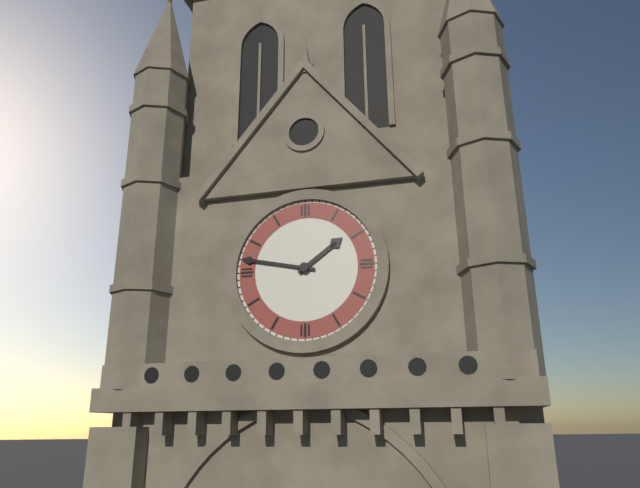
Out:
1 h 47 min
